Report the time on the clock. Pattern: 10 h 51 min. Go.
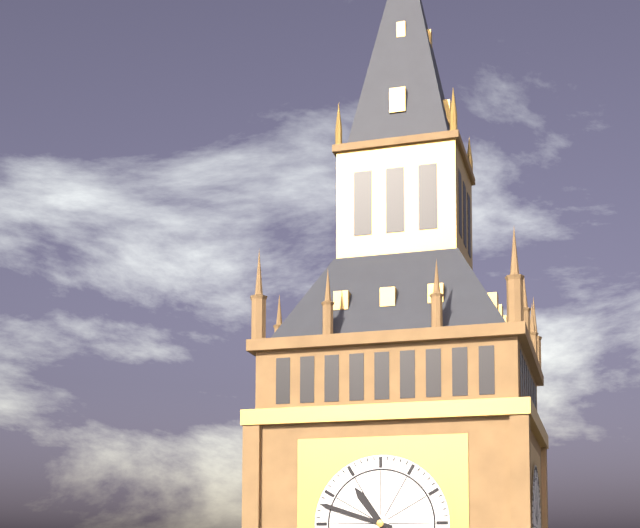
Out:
10 h 48 min
